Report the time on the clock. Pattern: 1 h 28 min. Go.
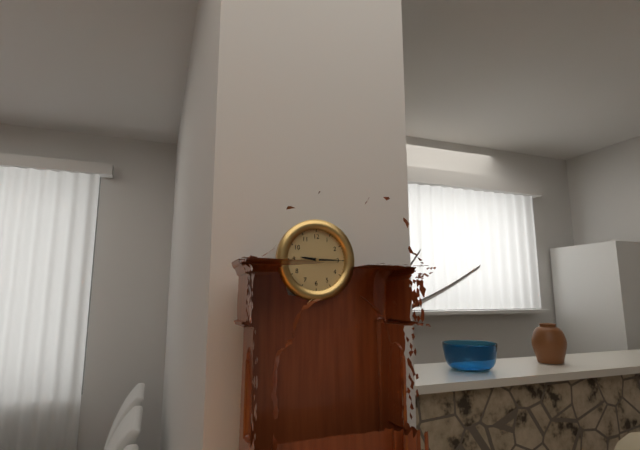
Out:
9 h 15 min
